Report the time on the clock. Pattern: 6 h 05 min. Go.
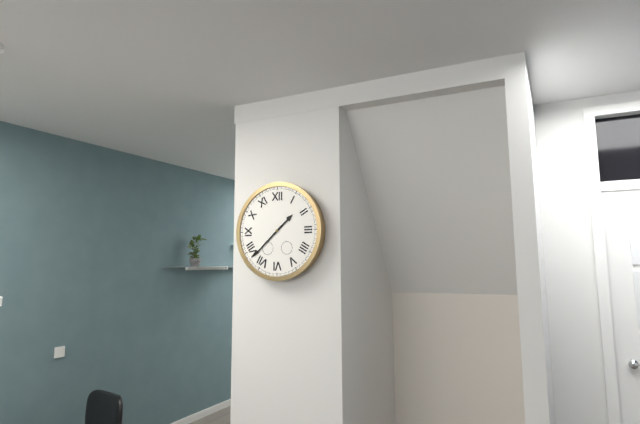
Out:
1 h 38 min
